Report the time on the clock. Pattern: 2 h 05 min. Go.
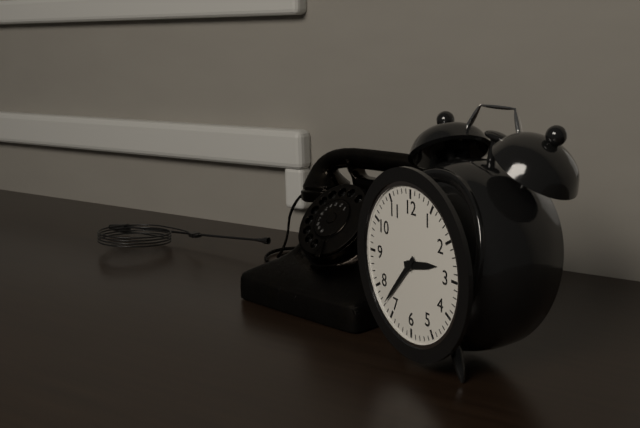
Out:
2 h 37 min
